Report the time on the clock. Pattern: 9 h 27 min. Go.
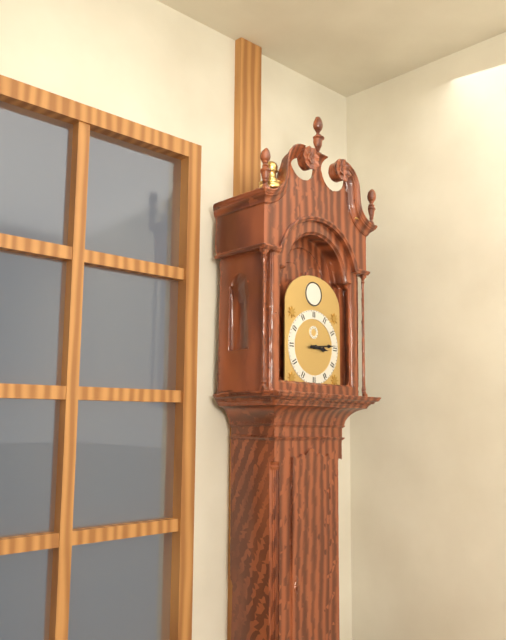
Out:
3 h 14 min
